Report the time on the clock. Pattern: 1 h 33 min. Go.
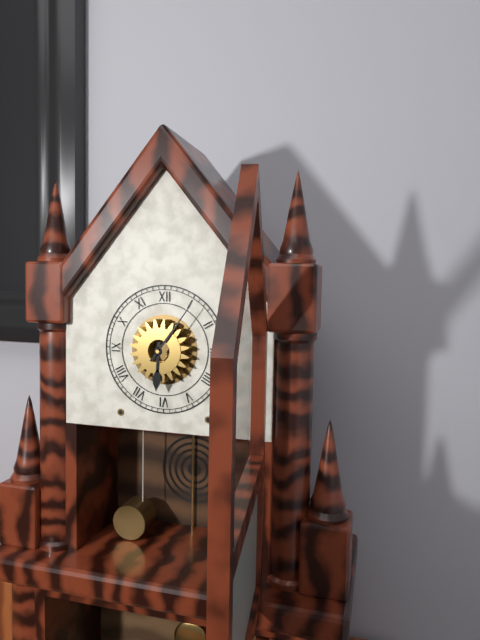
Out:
6 h 06 min
